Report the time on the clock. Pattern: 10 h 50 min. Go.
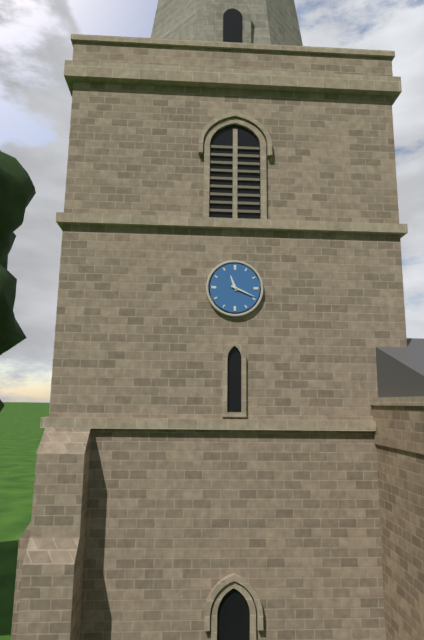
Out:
11 h 19 min
